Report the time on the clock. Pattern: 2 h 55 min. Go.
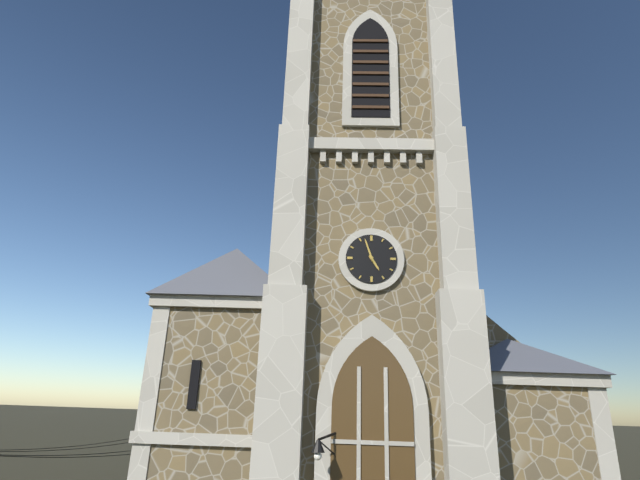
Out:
4 h 57 min
